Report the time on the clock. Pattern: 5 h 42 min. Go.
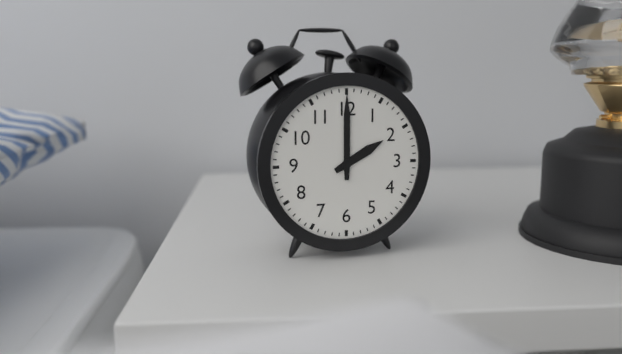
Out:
2 h 00 min
